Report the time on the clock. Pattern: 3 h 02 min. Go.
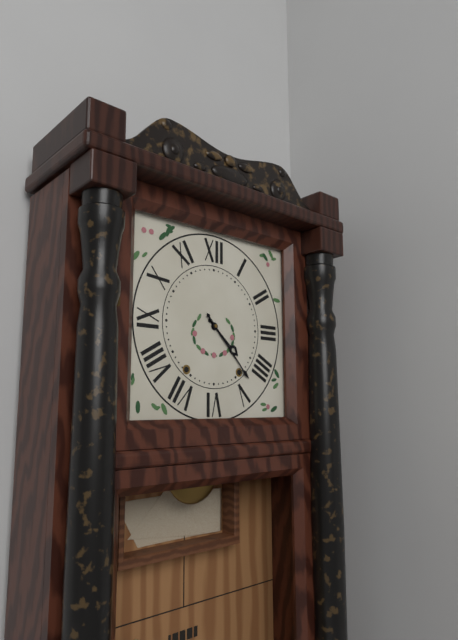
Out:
4 h 23 min
